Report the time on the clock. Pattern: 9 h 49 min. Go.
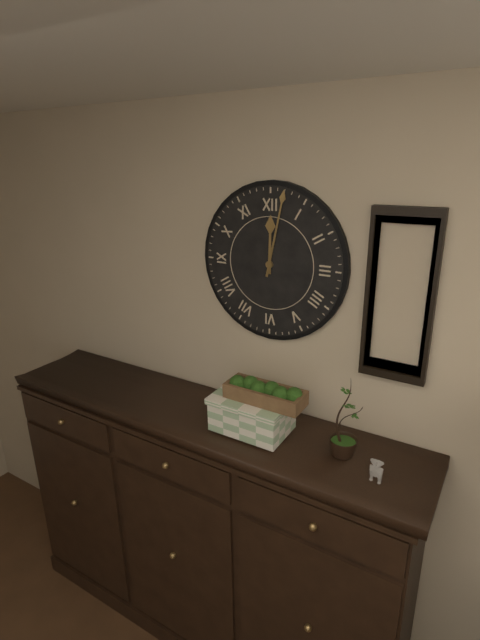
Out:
12 h 02 min
